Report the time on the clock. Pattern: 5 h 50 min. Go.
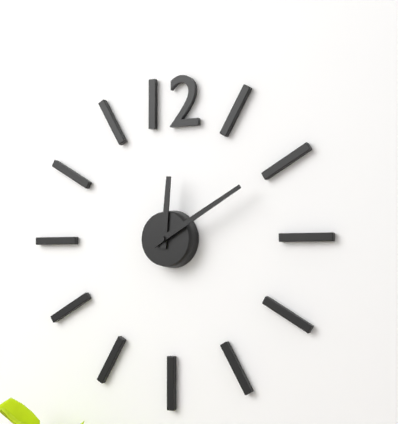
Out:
12 h 10 min
